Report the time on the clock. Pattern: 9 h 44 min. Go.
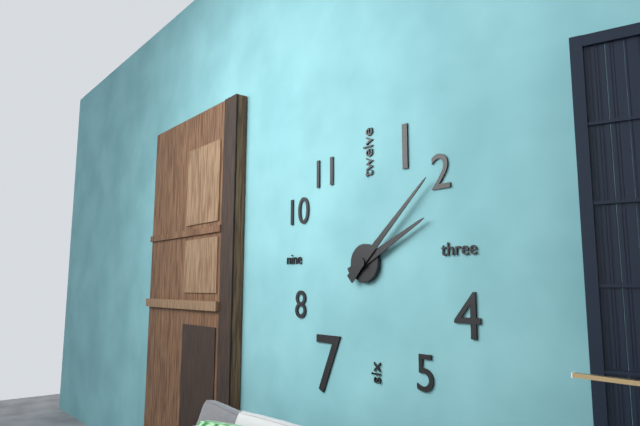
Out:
2 h 08 min
